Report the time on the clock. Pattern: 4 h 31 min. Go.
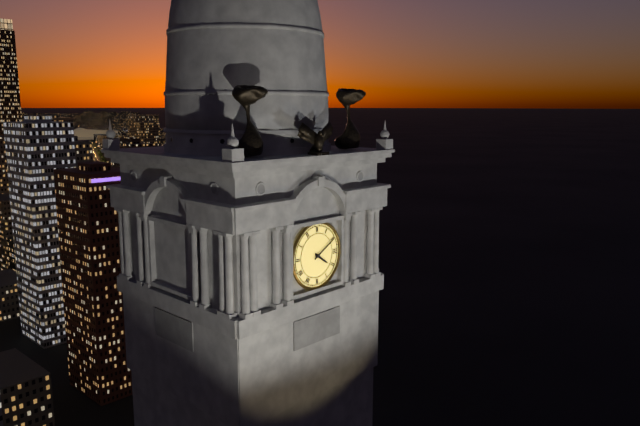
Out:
4 h 10 min
